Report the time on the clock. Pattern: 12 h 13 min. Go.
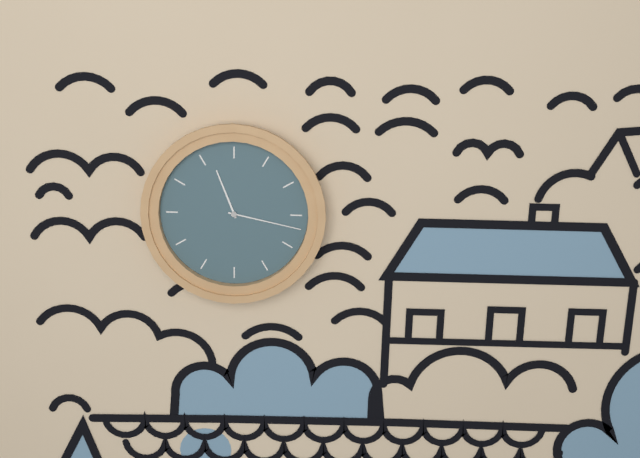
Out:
11 h 17 min
